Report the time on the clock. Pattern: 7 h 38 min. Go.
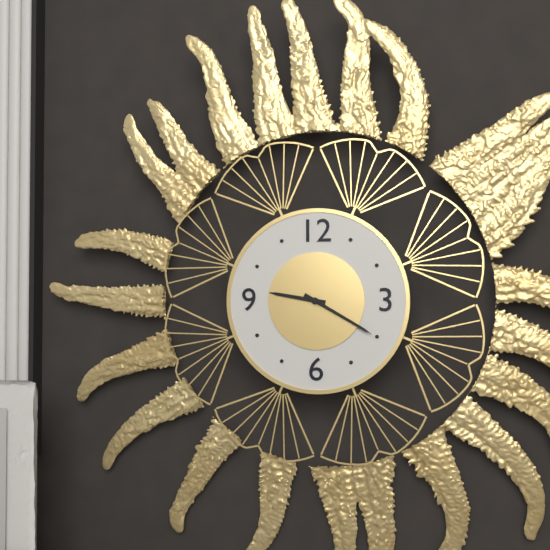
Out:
9 h 20 min
